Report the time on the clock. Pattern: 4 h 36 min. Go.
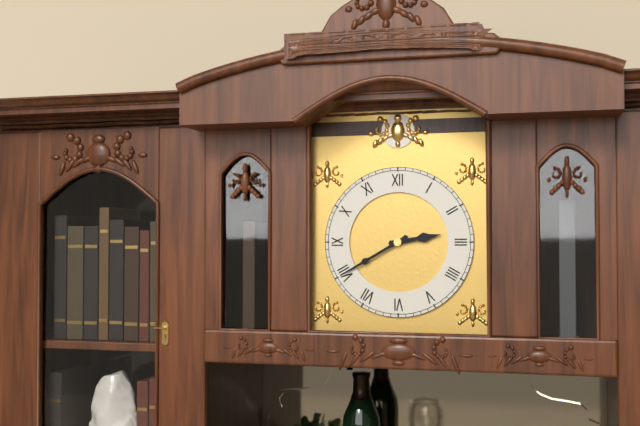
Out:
2 h 40 min
